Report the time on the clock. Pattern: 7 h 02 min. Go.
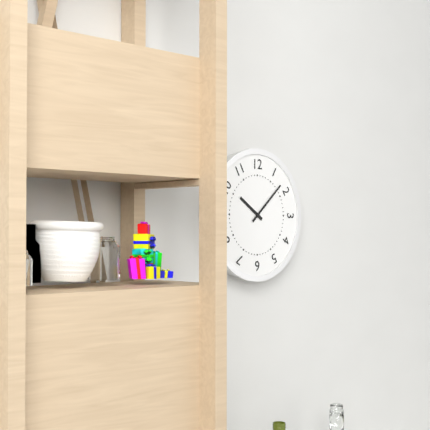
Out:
10 h 08 min
